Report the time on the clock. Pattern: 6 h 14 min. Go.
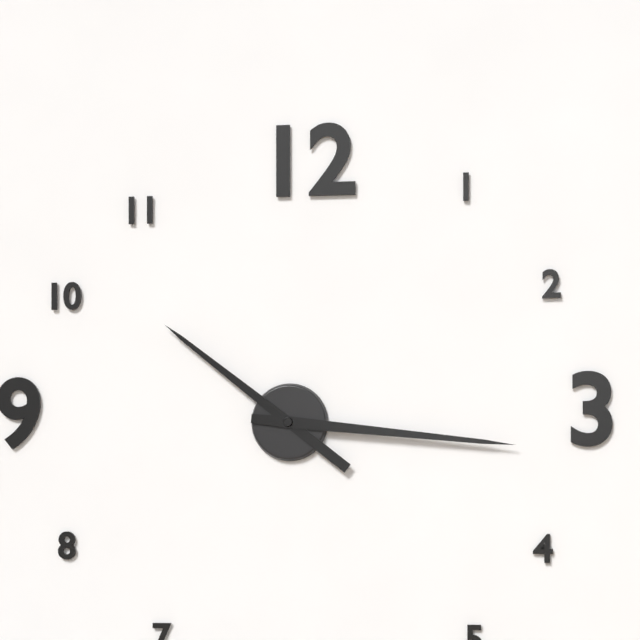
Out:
10 h 16 min
